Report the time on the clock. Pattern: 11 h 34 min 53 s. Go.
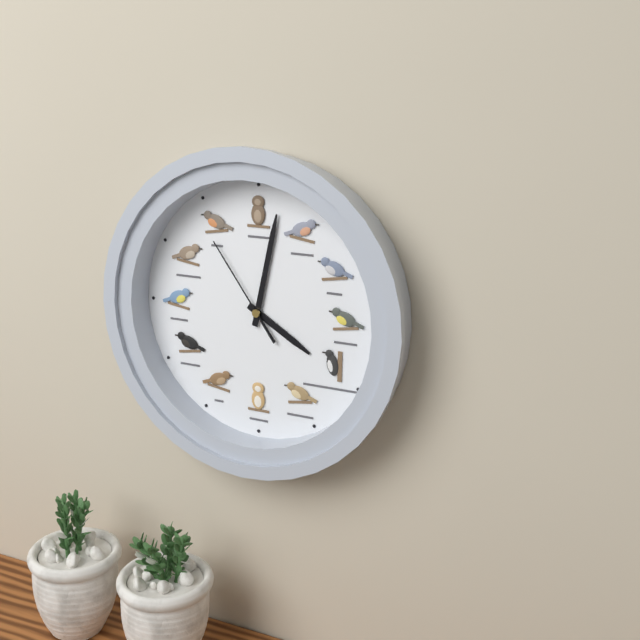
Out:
4 h 02 min 54 s
